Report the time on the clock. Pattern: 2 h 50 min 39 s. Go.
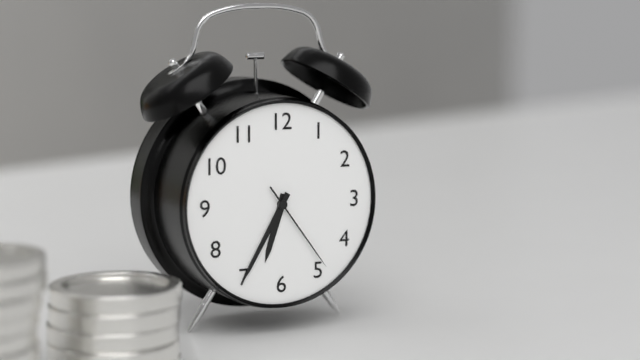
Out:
6 h 35 min 24 s
